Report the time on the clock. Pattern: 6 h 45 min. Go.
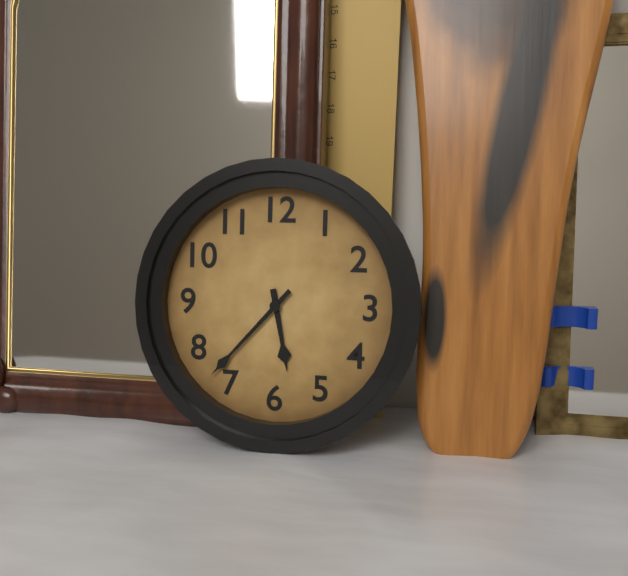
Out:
5 h 37 min
